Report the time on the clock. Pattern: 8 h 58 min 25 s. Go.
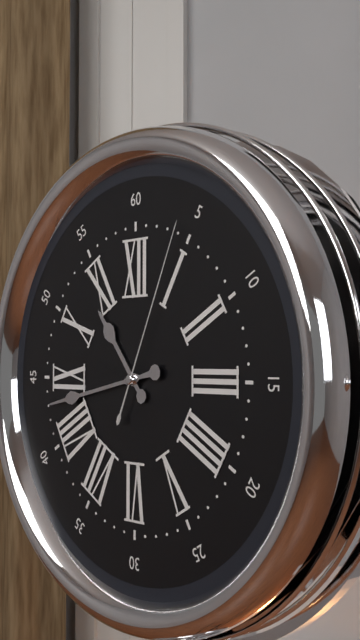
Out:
10 h 43 min 04 s
